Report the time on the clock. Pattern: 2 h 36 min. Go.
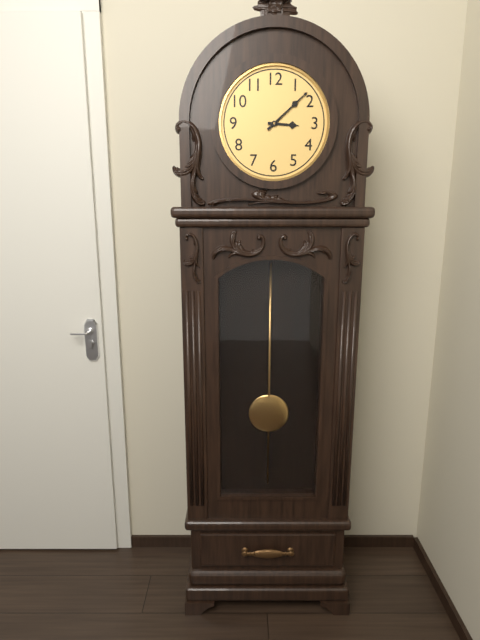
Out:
3 h 08 min
